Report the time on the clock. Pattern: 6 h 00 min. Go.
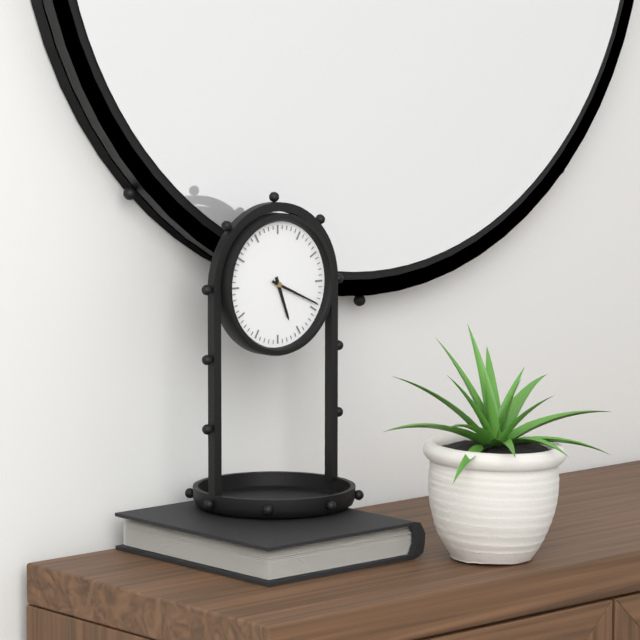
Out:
5 h 19 min
